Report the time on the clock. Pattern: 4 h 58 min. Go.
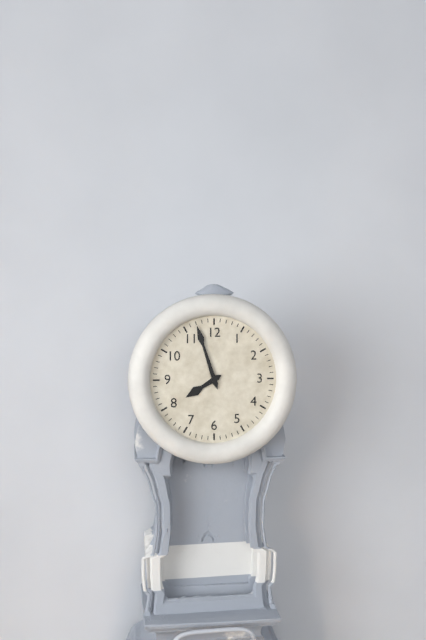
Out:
7 h 57 min
